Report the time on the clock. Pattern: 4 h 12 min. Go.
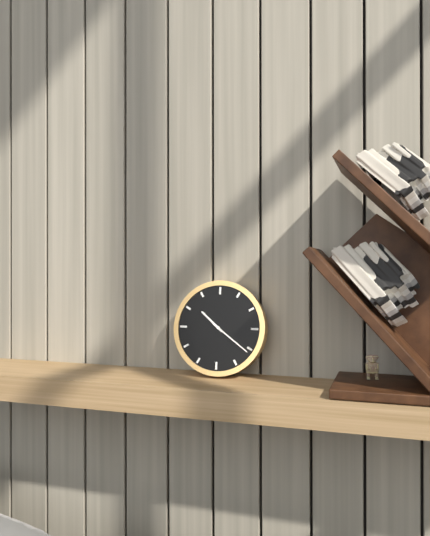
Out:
10 h 21 min
